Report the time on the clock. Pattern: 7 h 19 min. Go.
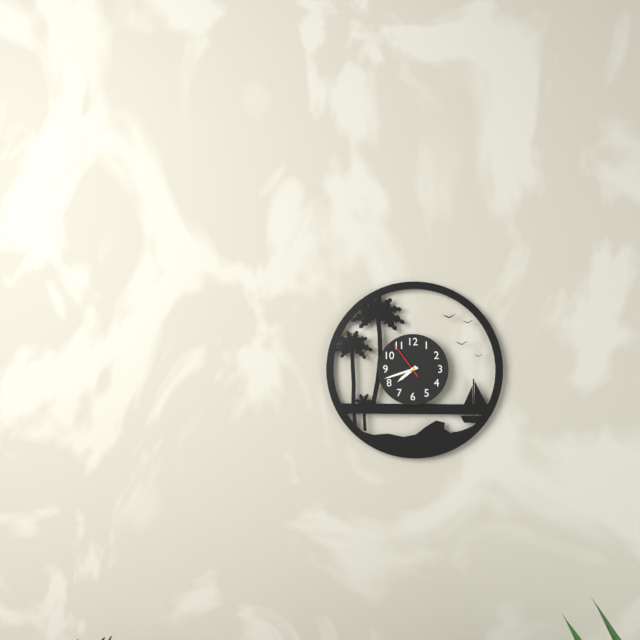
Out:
7 h 42 min
